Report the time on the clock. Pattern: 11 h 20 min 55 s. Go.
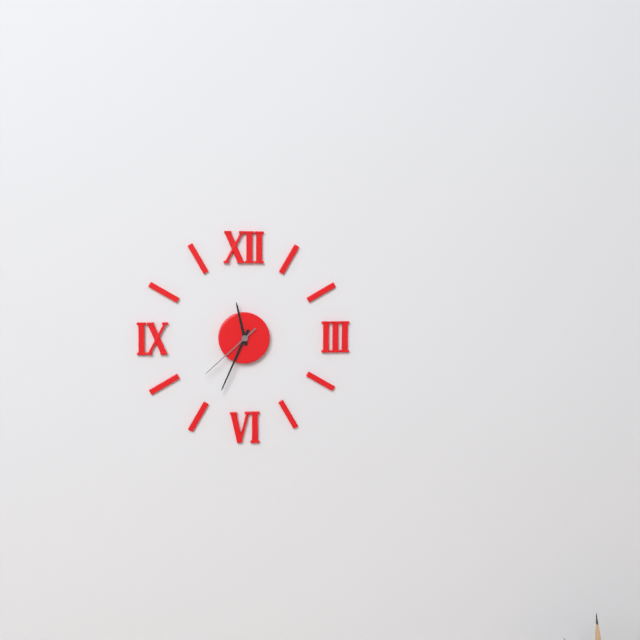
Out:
11 h 34 min 38 s
